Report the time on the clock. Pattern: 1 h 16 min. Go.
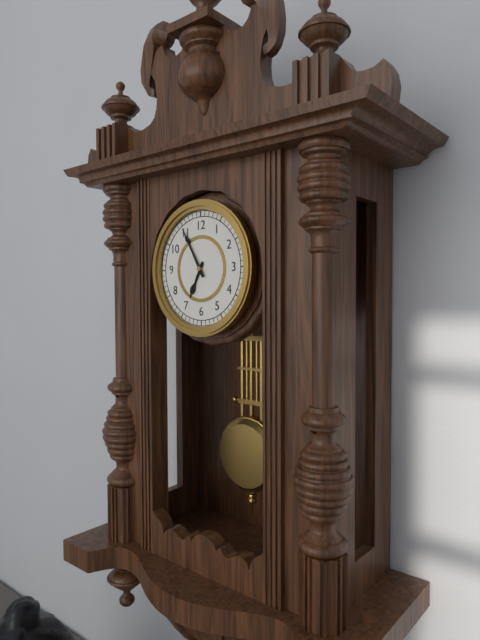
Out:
6 h 55 min
